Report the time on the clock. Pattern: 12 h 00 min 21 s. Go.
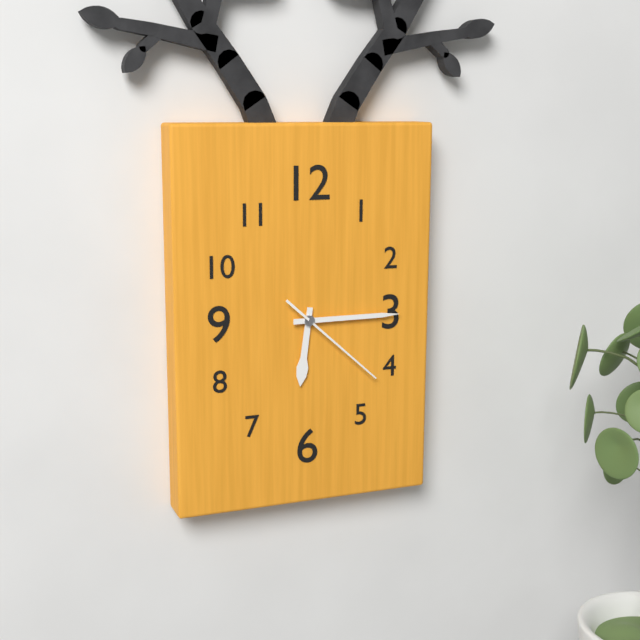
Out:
6 h 15 min 22 s
